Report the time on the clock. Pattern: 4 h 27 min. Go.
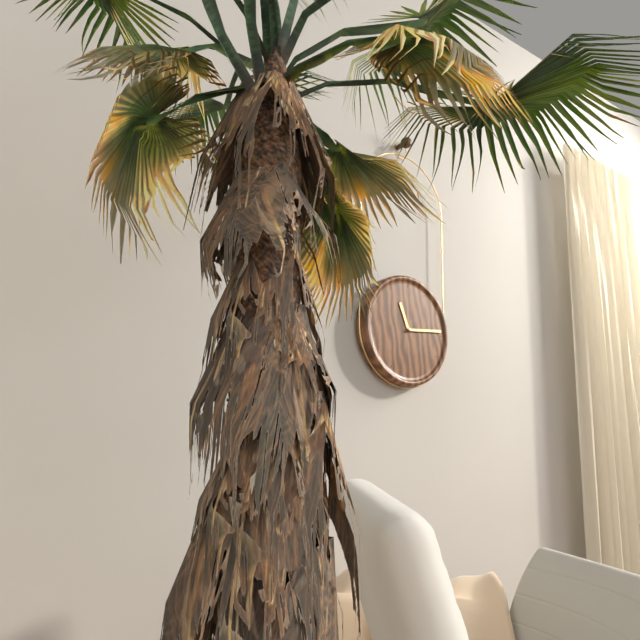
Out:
11 h 14 min
